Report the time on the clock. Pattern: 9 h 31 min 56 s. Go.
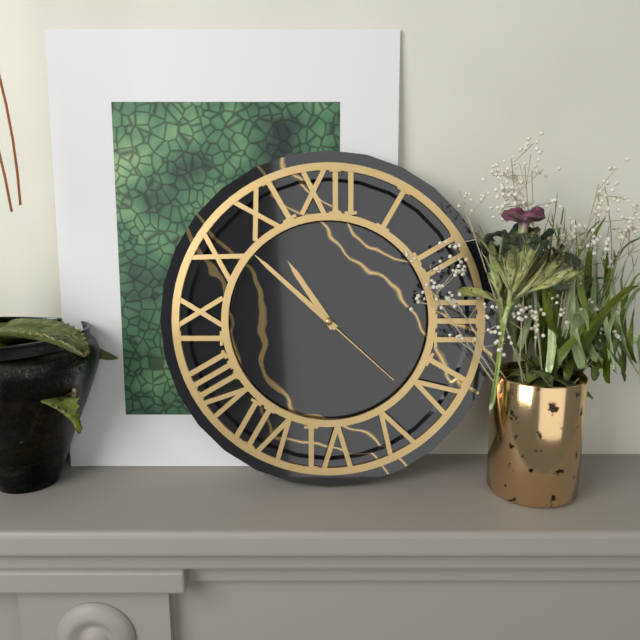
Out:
10 h 52 min 22 s
